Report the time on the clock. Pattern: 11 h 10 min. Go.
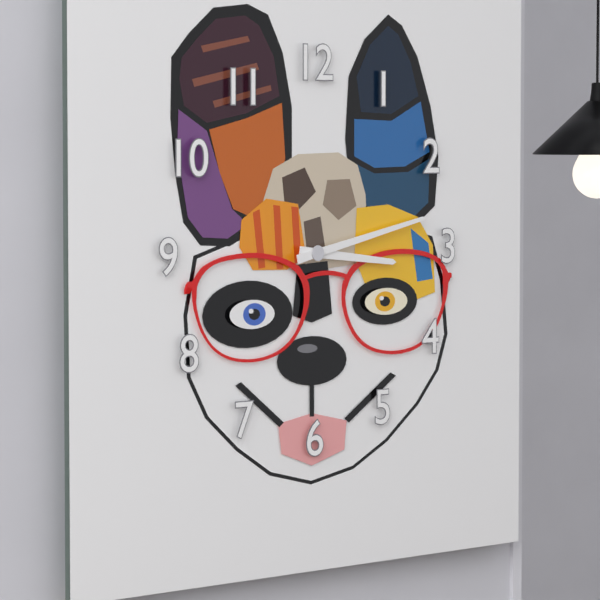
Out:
3 h 13 min
